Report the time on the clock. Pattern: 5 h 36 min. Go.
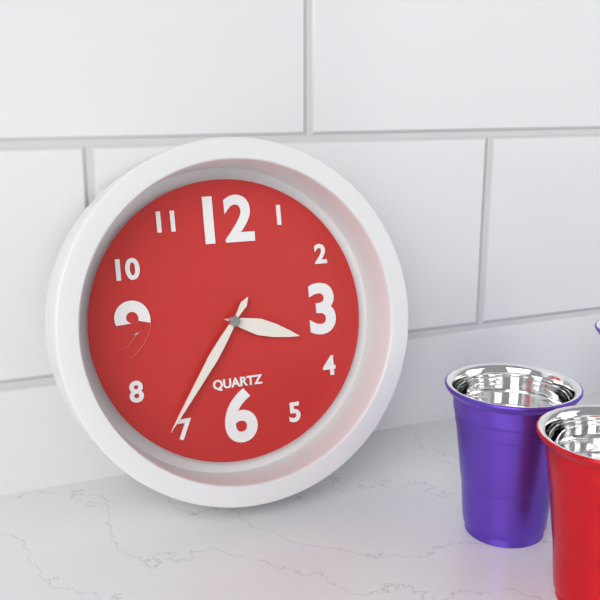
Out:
3 h 36 min
